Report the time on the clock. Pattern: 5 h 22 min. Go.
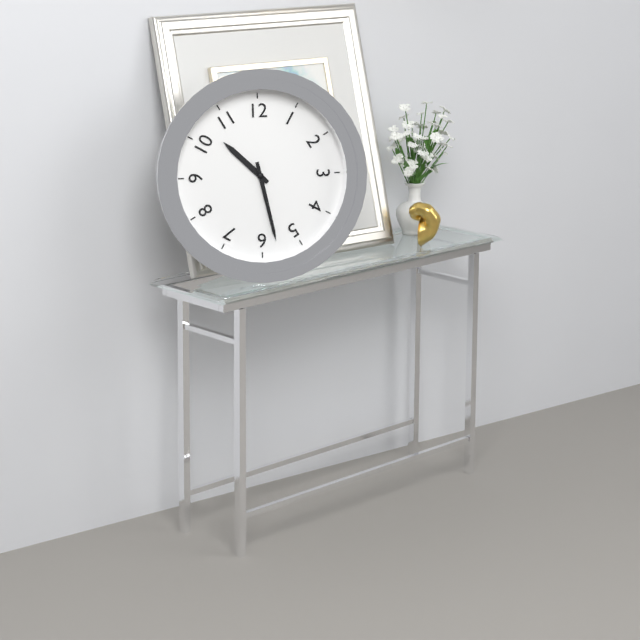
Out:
10 h 28 min
